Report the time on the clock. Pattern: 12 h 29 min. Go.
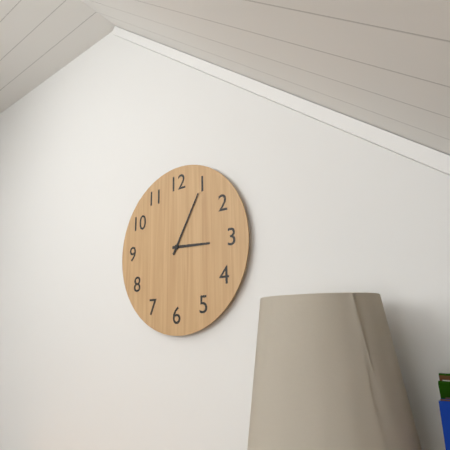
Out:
3 h 05 min
